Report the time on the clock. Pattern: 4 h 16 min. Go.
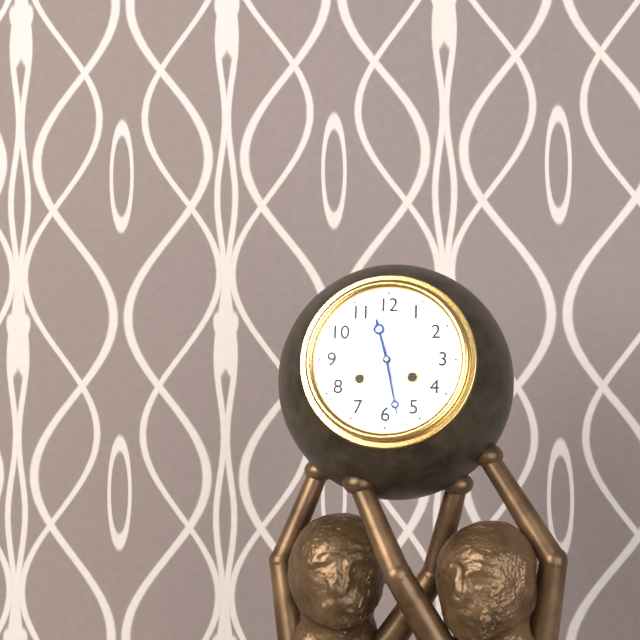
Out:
11 h 28 min
